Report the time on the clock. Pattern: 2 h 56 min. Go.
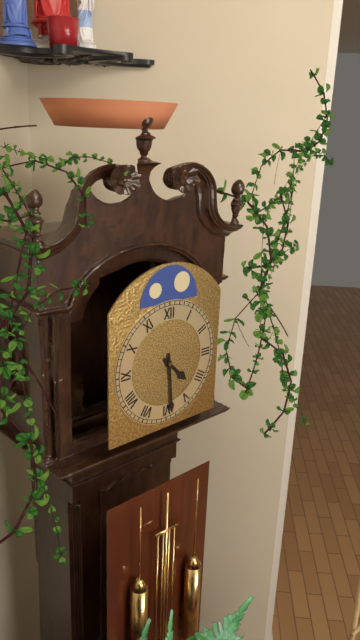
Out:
4 h 29 min
